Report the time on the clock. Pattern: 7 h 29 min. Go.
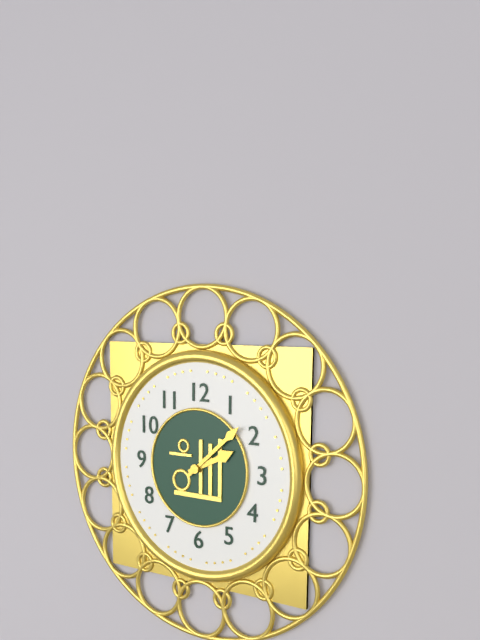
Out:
2 h 08 min
